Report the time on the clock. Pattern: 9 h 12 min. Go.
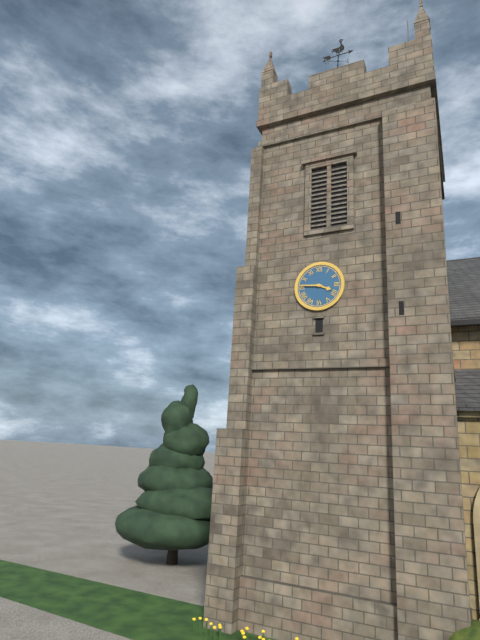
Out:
3 h 46 min
